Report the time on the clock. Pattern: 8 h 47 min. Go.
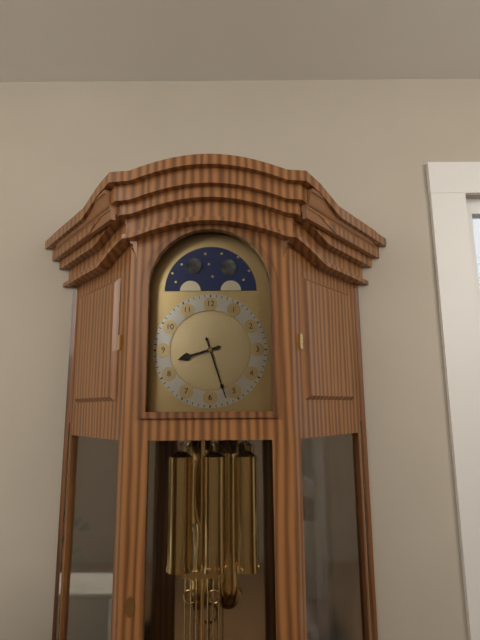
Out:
8 h 27 min
